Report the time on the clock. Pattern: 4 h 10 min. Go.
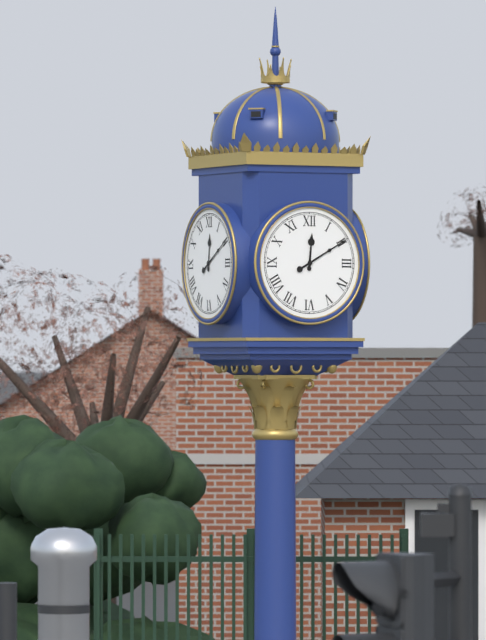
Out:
12 h 10 min
